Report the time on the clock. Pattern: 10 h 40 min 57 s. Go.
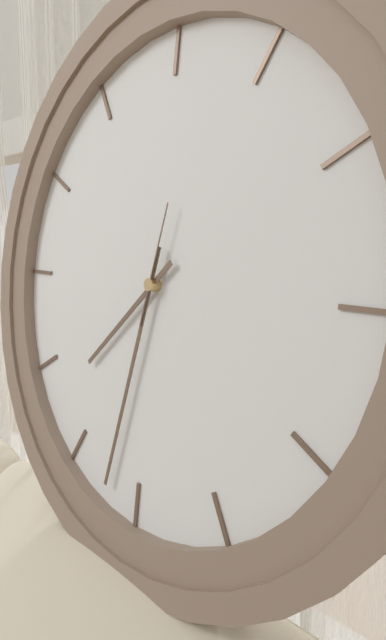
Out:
7 h 32 min 02 s
